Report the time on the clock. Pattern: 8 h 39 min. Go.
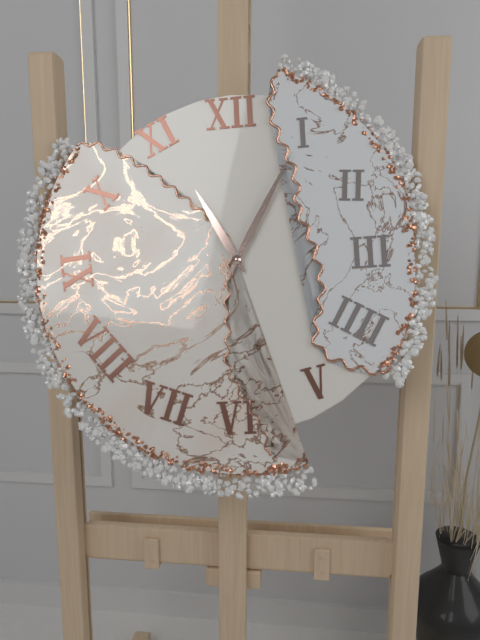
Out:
11 h 05 min
